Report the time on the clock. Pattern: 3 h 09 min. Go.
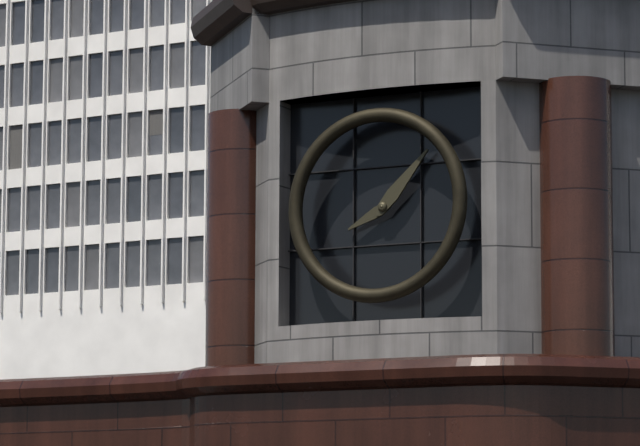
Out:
8 h 07 min
